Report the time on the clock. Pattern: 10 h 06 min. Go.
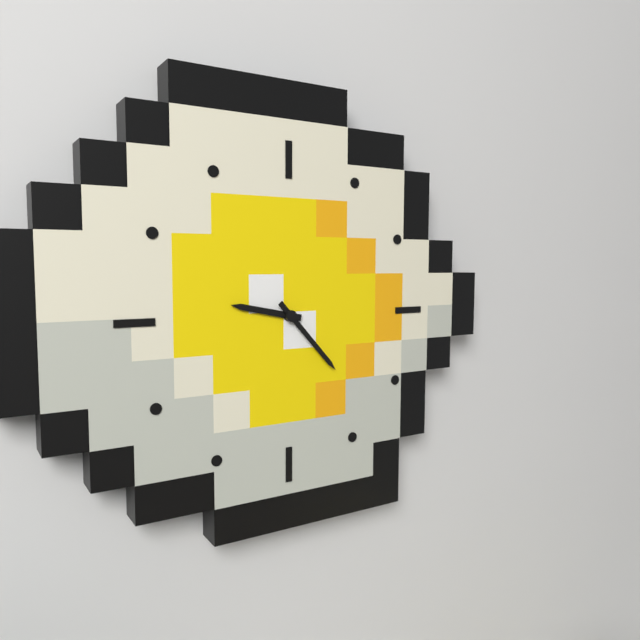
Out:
9 h 23 min
